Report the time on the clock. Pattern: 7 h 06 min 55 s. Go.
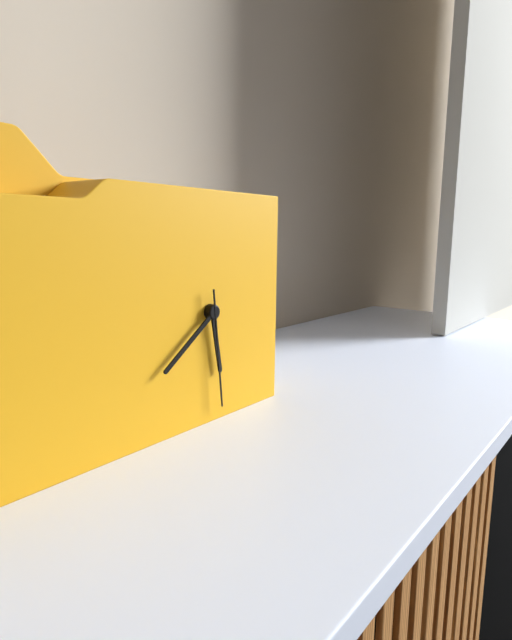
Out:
5 h 39 min 29 s
